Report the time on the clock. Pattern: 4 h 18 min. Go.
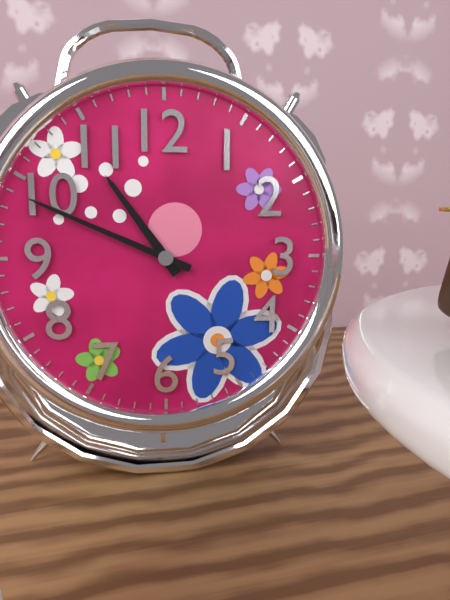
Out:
10 h 49 min
